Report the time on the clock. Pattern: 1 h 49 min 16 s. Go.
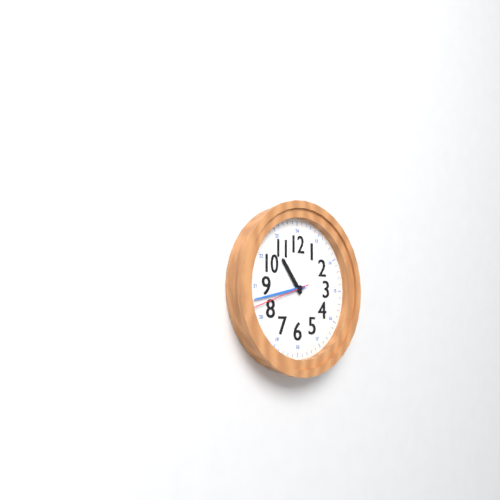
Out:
10 h 43 min 42 s
